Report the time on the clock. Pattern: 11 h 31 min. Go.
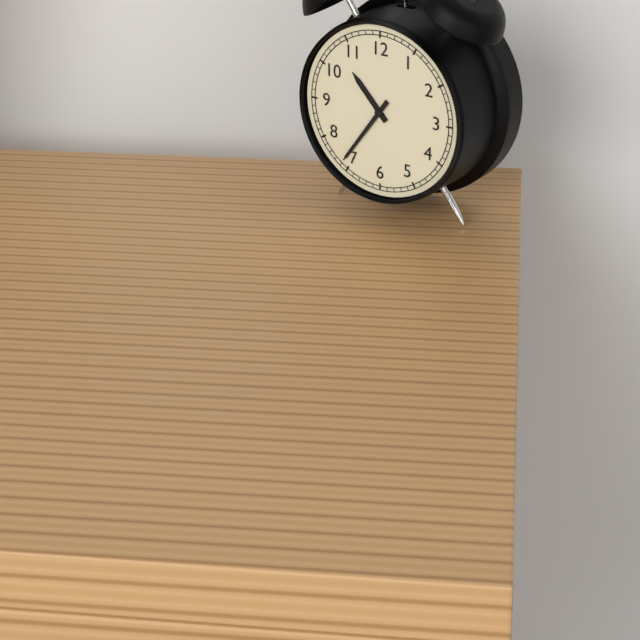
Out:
10 h 36 min
